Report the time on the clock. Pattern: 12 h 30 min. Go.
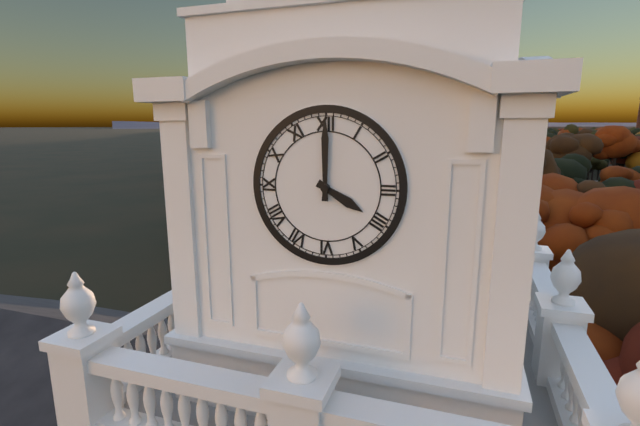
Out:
4 h 00 min
